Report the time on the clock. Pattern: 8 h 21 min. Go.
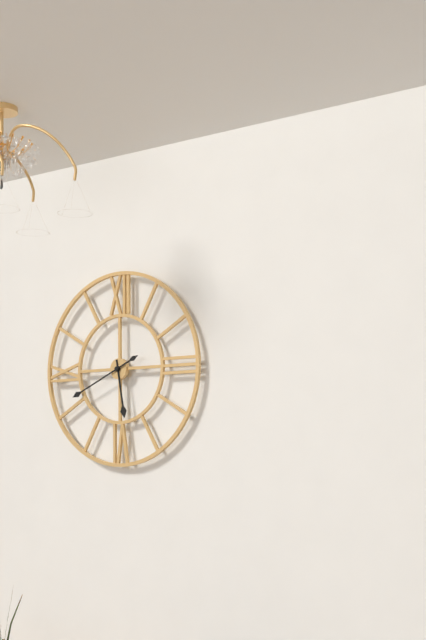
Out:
5 h 41 min
